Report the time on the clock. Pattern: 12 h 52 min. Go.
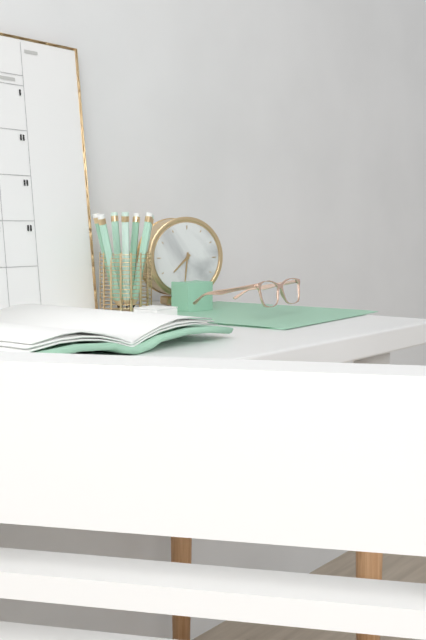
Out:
7 h 31 min
